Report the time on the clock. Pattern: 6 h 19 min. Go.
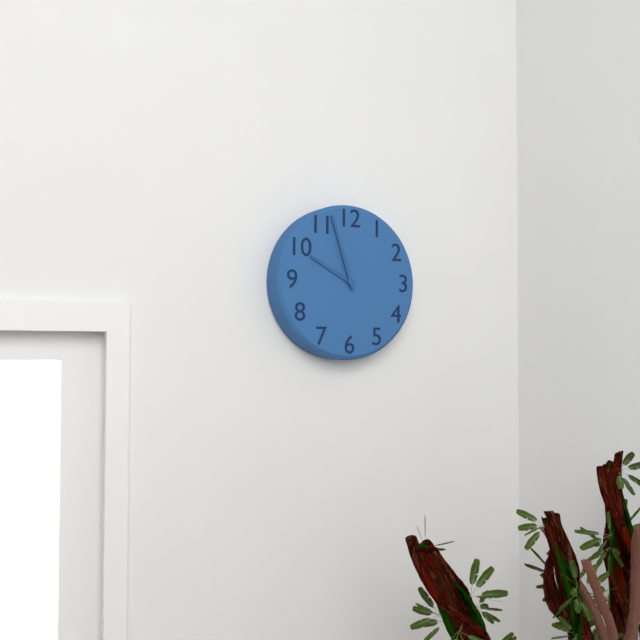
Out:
9 h 57 min
